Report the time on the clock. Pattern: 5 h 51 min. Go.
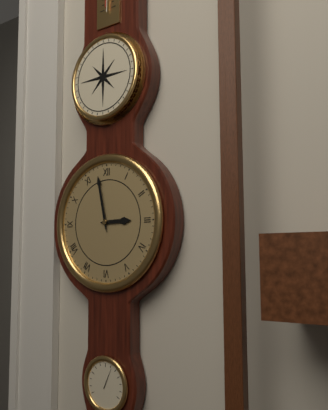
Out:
2 h 58 min
